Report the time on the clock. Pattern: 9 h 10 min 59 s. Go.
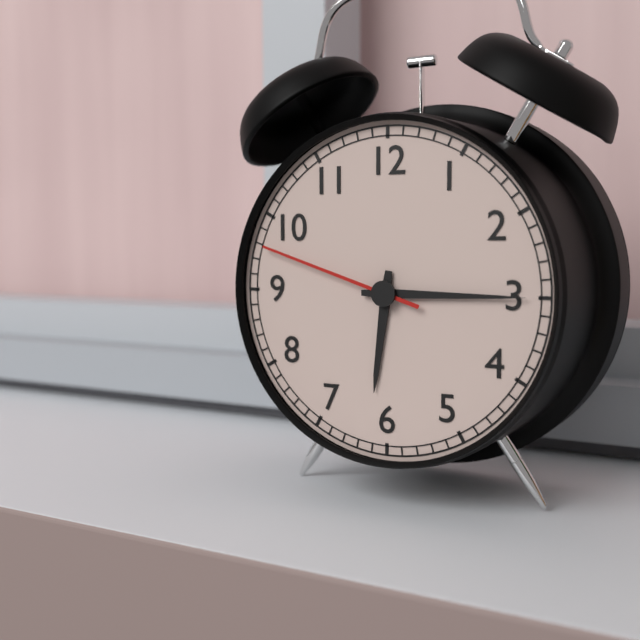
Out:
6 h 15 min 48 s
